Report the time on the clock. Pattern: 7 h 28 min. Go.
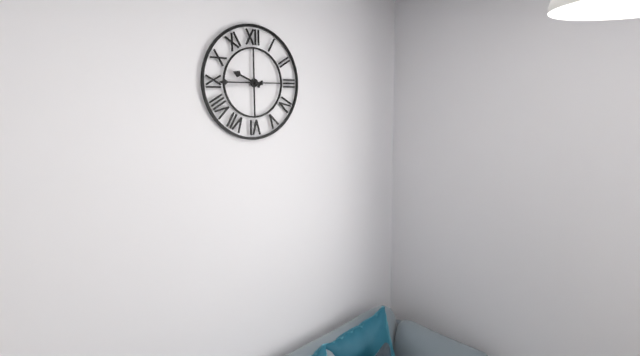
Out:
9 h 45 min
